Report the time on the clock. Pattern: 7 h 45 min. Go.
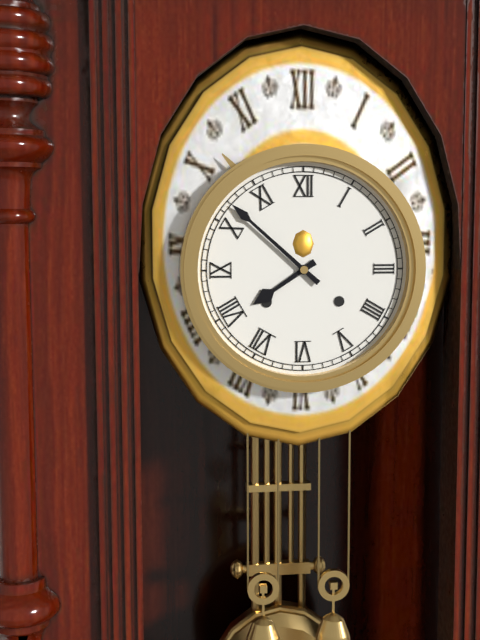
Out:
7 h 52 min
